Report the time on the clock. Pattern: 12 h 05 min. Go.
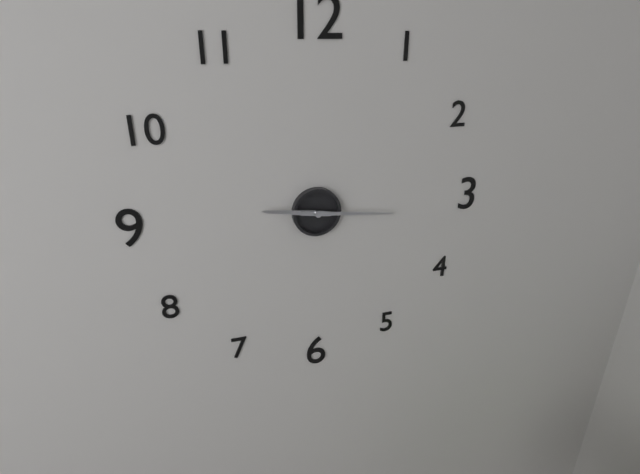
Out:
9 h 16 min
